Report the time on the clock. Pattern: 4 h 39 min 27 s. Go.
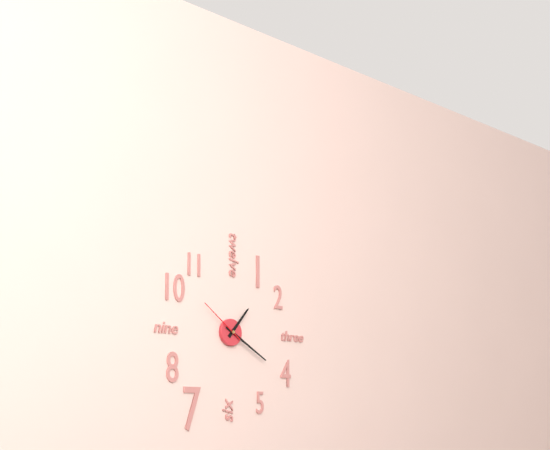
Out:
1 h 20 min 51 s
